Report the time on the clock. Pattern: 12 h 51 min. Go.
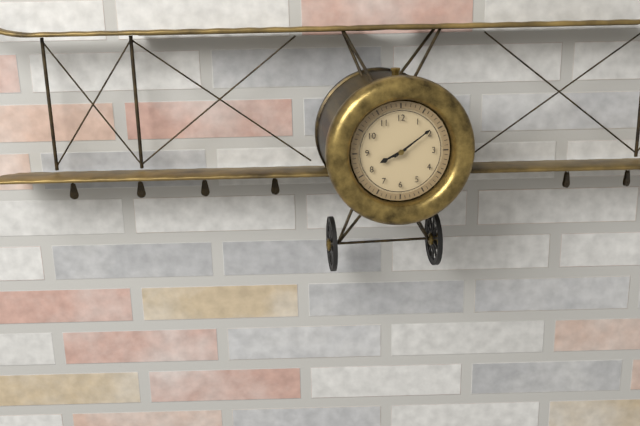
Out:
8 h 09 min
